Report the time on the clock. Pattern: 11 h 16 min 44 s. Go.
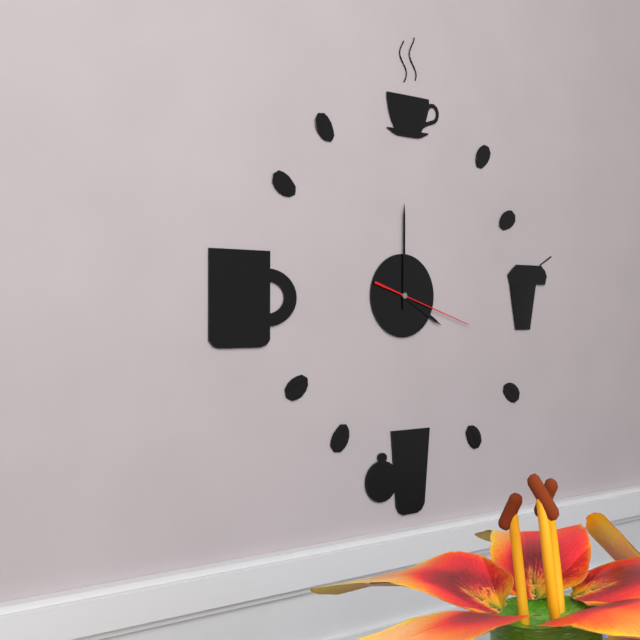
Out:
4 h 00 min 18 s
